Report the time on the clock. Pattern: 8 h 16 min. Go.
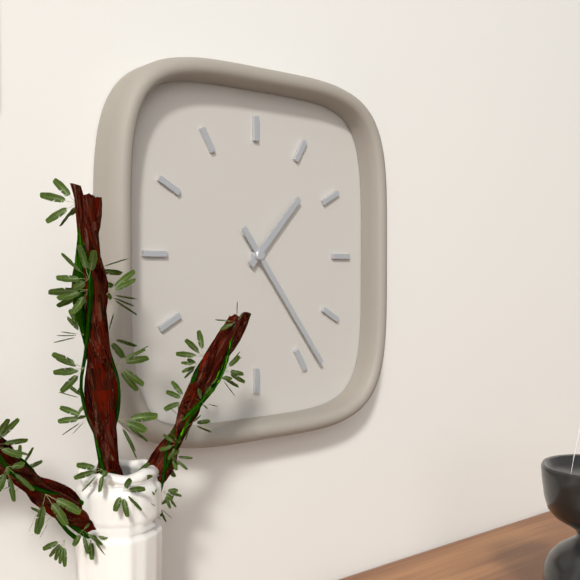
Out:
1 h 24 min
